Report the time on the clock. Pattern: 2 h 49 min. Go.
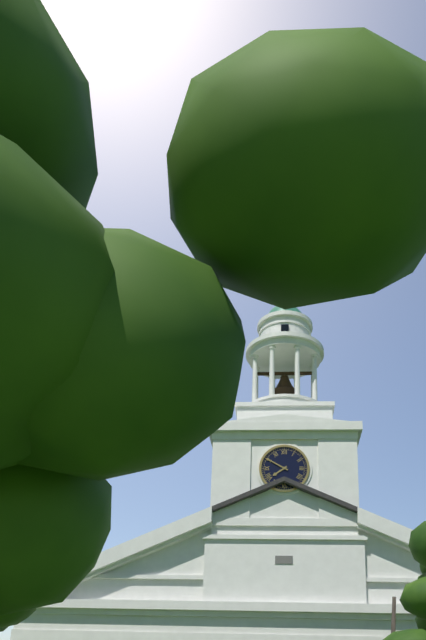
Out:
7 h 50 min
